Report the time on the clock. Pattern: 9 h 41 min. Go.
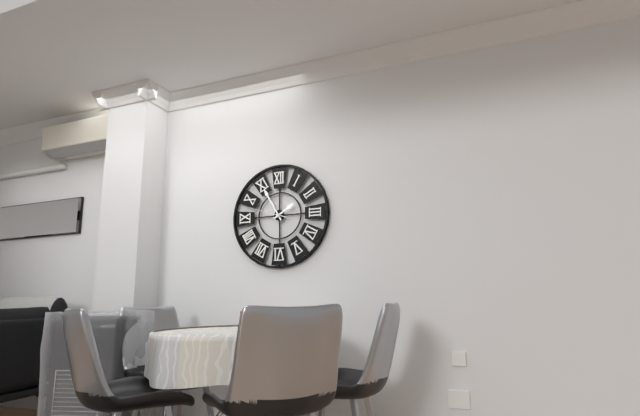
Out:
1 h 55 min
